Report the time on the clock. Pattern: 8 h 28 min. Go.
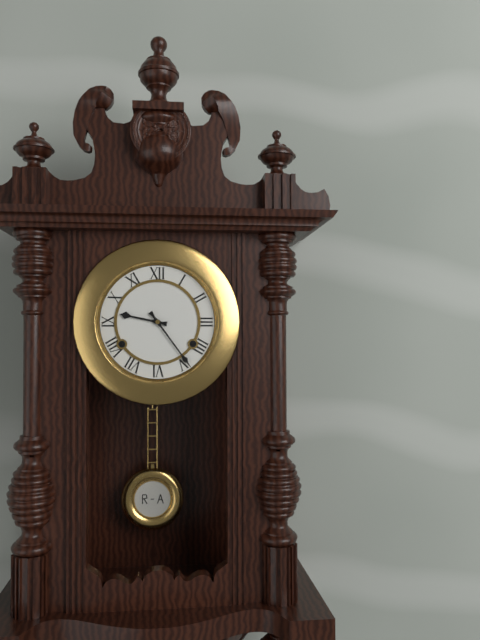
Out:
9 h 24 min
